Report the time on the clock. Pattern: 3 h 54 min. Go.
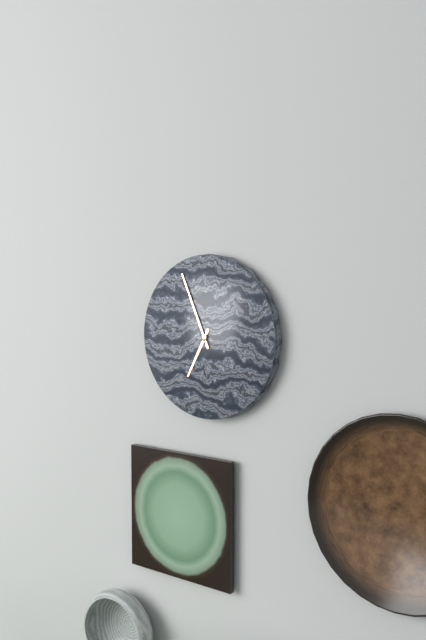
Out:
6 h 56 min
